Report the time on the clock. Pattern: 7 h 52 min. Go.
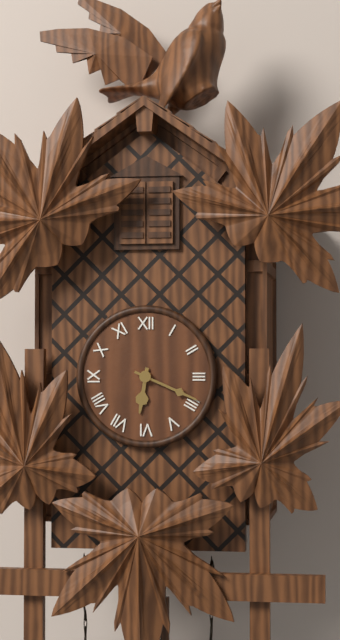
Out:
6 h 19 min
